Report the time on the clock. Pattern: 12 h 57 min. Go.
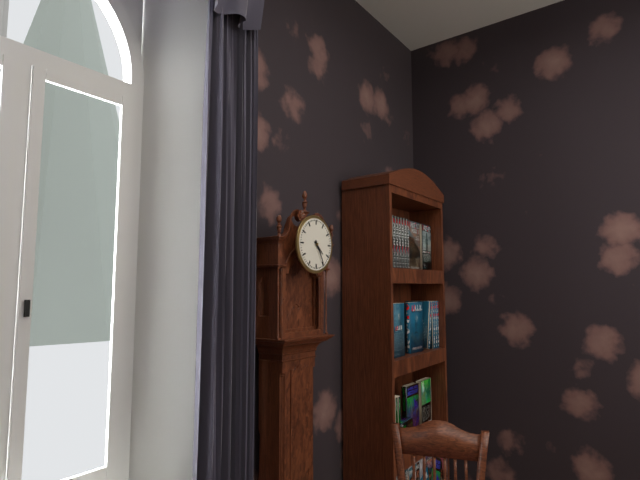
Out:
4 h 25 min
